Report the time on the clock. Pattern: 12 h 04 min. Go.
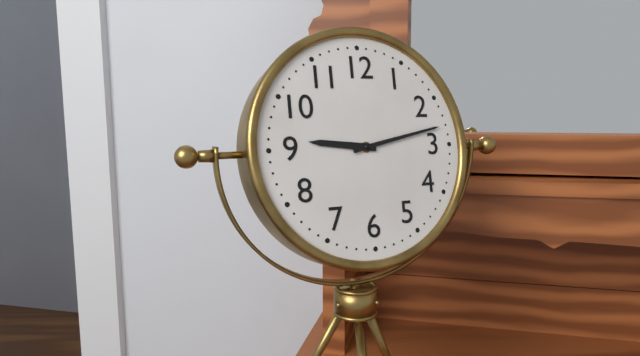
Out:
9 h 13 min
